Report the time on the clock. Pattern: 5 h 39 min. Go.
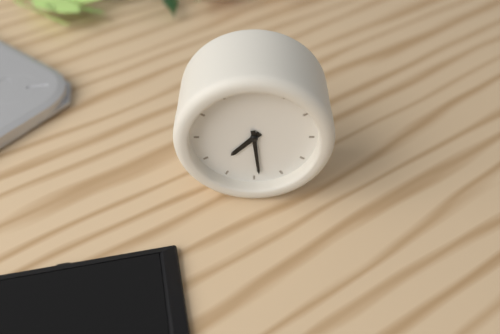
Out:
7 h 29 min
